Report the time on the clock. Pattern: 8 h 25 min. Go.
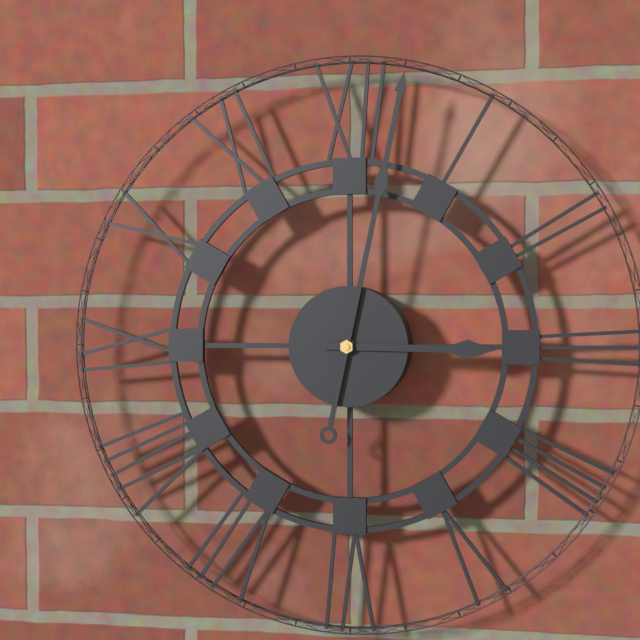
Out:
3 h 02 min
